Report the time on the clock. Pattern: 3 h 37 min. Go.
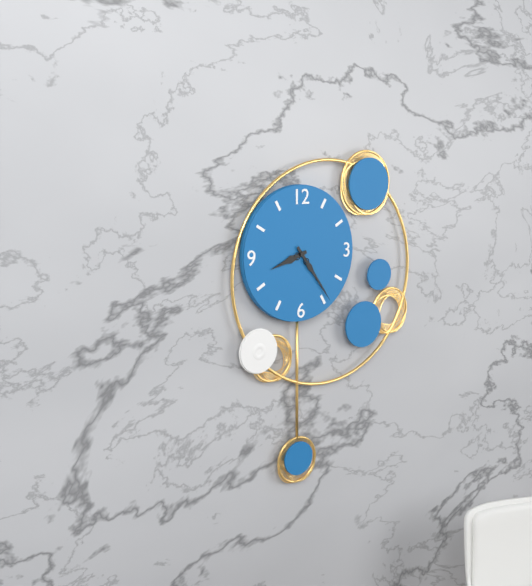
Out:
8 h 24 min
